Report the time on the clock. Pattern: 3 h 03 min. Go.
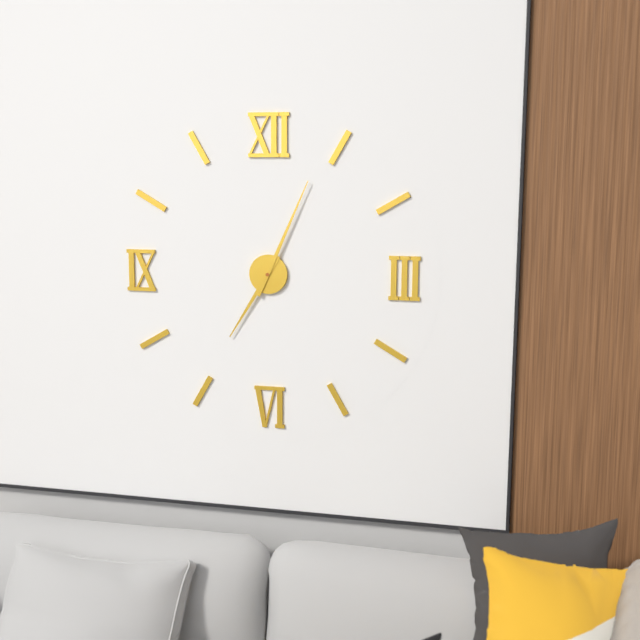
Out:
7 h 04 min
